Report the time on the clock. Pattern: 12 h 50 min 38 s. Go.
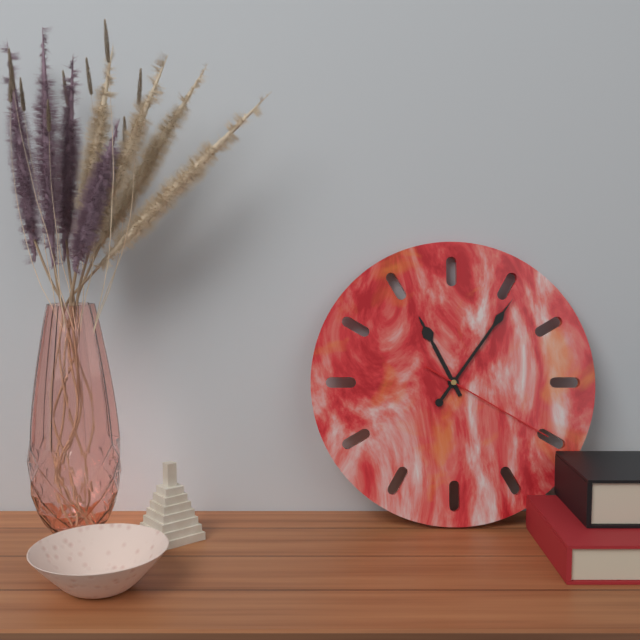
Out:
11 h 06 min 20 s
